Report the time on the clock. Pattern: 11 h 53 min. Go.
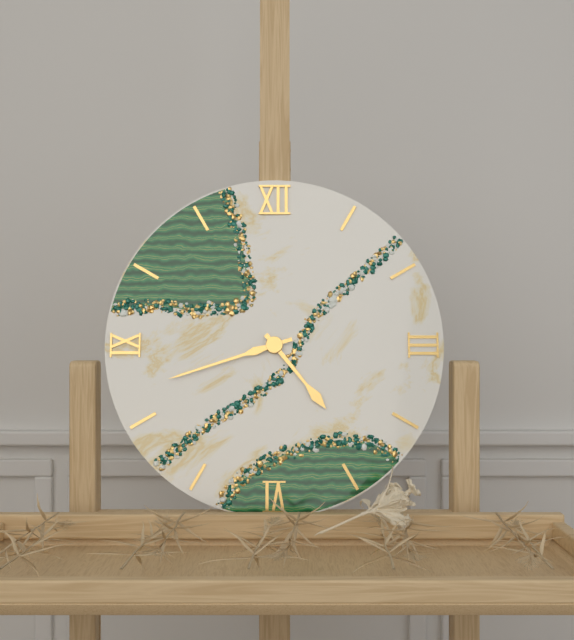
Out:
4 h 42 min
